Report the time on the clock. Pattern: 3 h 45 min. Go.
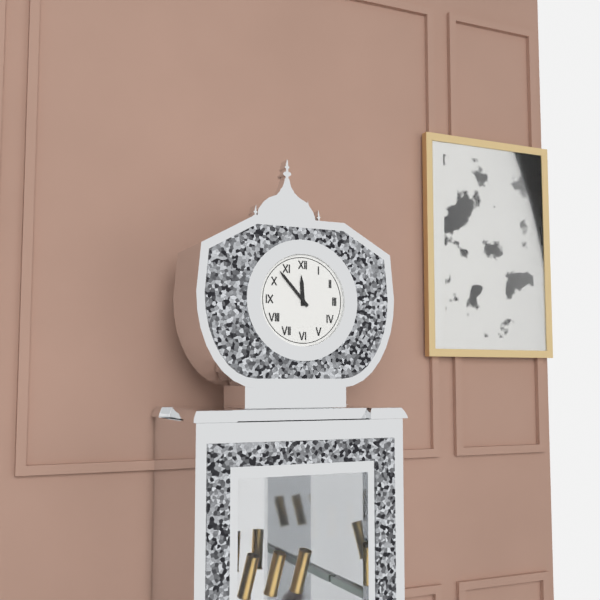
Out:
11 h 53 min
